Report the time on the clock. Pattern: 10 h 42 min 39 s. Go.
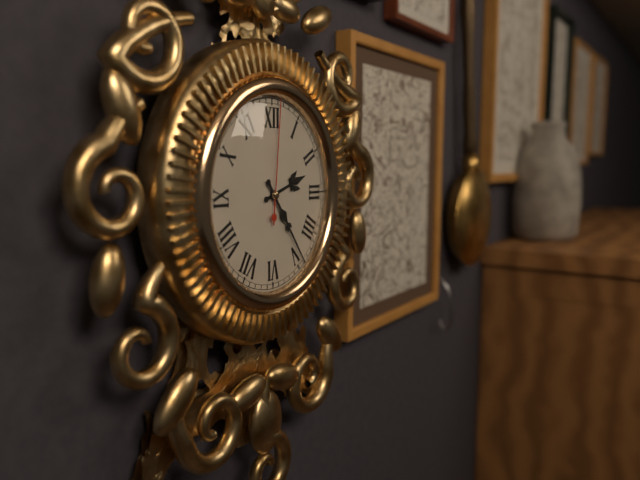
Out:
2 h 24 min 01 s
